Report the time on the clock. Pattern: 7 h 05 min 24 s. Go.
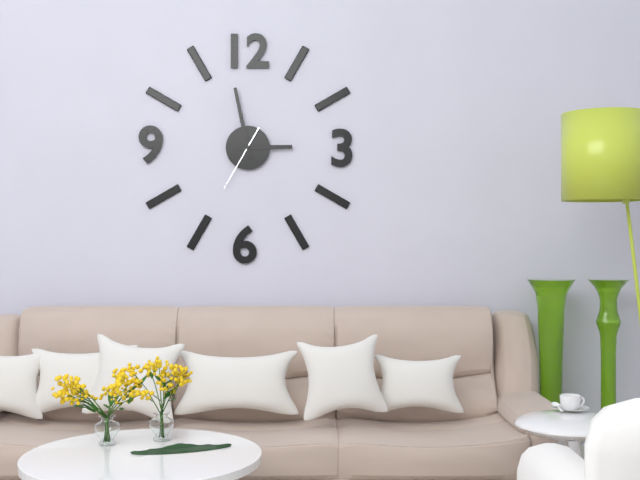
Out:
2 h 58 min 35 s
